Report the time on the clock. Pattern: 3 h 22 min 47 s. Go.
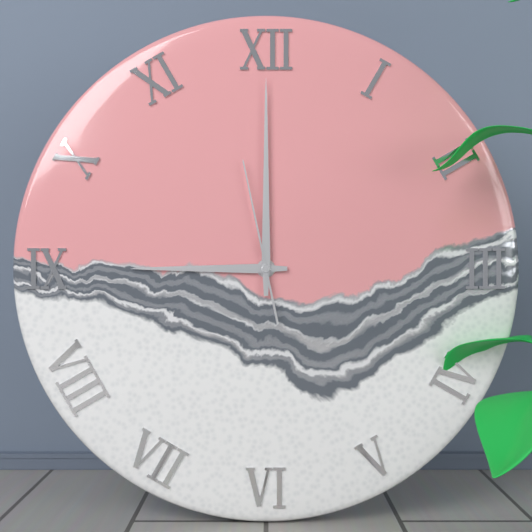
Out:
9 h 00 min 58 s
